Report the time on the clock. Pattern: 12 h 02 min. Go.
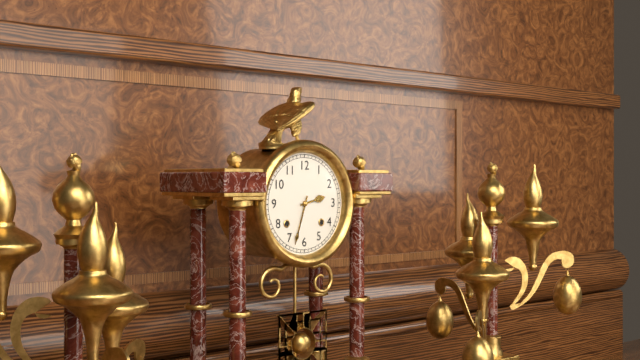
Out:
2 h 33 min
